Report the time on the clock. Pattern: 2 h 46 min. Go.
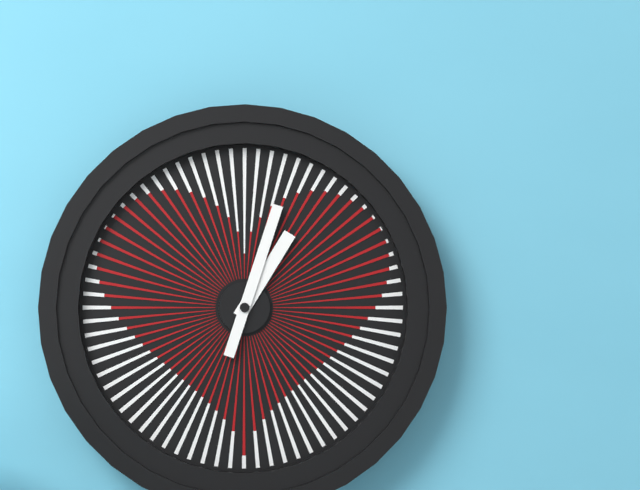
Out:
1 h 03 min
